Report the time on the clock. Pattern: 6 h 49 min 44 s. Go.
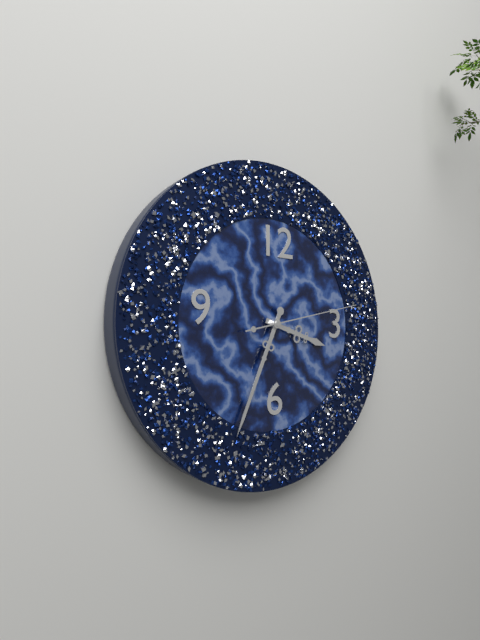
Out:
3 h 34 min 13 s
